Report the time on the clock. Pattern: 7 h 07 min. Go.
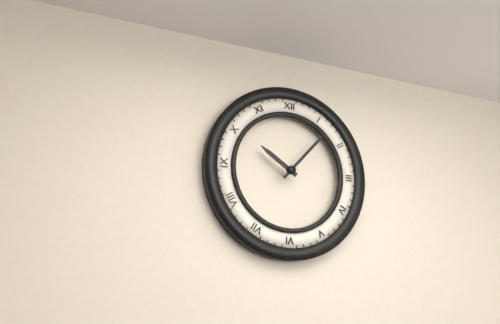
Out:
10 h 07 min
